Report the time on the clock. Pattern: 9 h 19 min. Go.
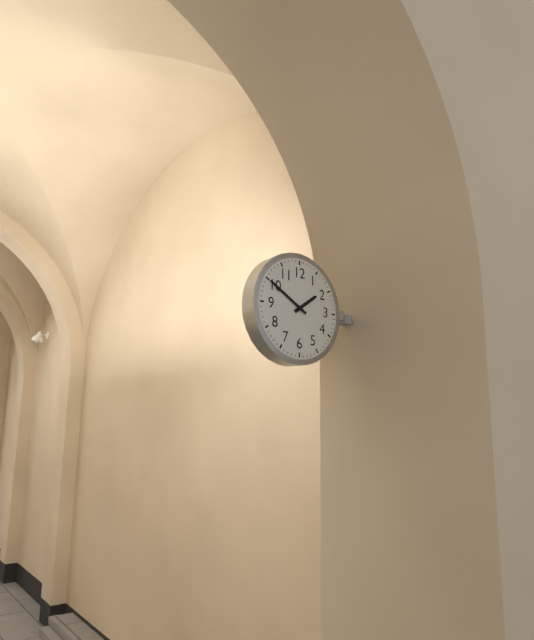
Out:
1 h 50 min
